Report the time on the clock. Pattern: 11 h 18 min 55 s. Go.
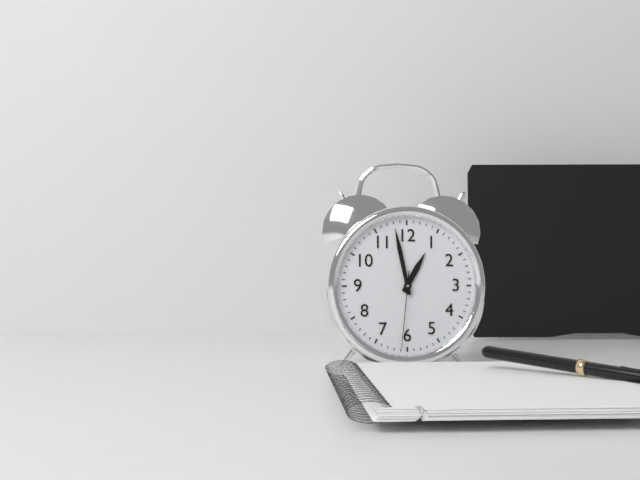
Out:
12 h 58 min 31 s
